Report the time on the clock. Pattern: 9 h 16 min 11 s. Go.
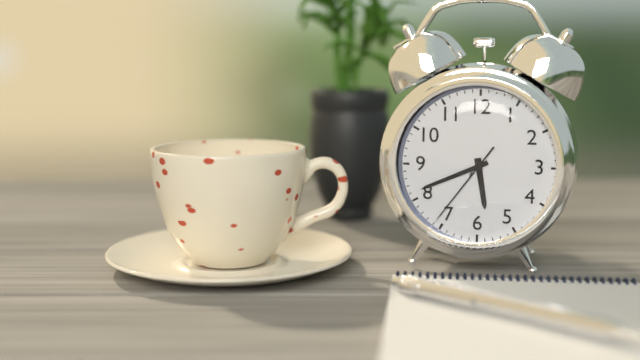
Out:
5 h 41 min 36 s
